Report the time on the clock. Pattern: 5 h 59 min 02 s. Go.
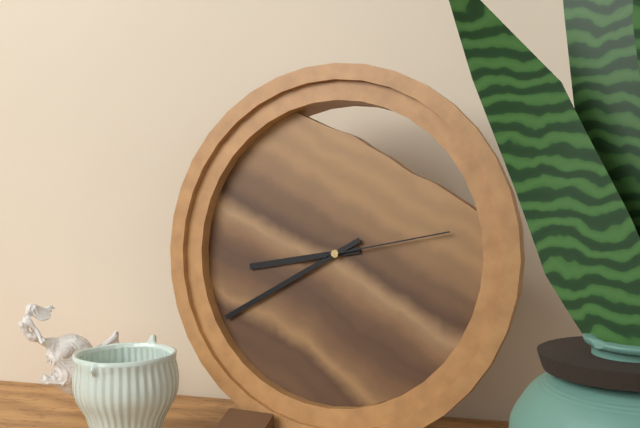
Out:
8 h 40 min 13 s
